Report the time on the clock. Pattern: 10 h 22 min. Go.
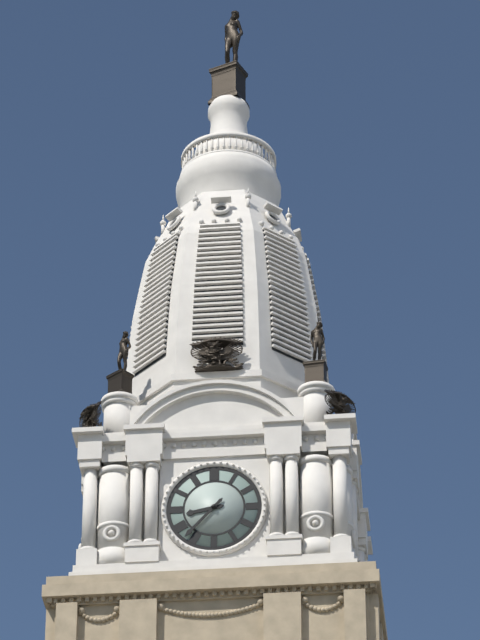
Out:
8 h 37 min
